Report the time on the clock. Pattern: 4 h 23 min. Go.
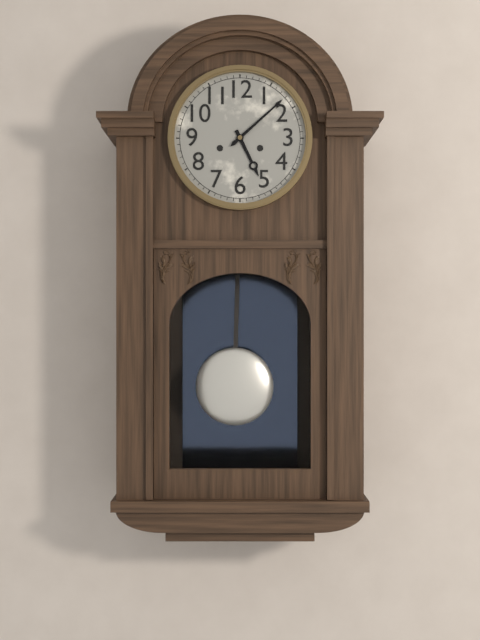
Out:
5 h 08 min
